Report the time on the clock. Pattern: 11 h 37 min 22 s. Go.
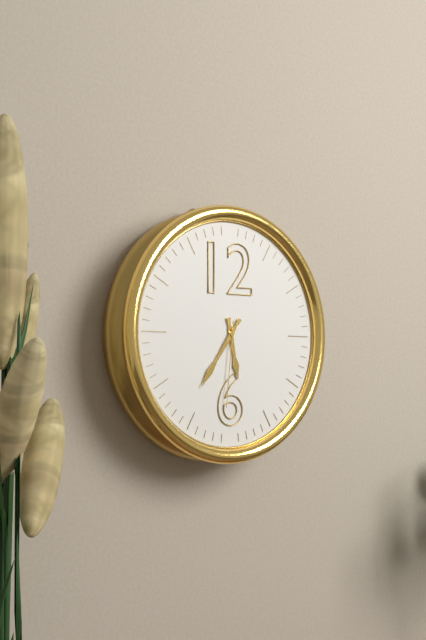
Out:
5 h 36 min 31 s
